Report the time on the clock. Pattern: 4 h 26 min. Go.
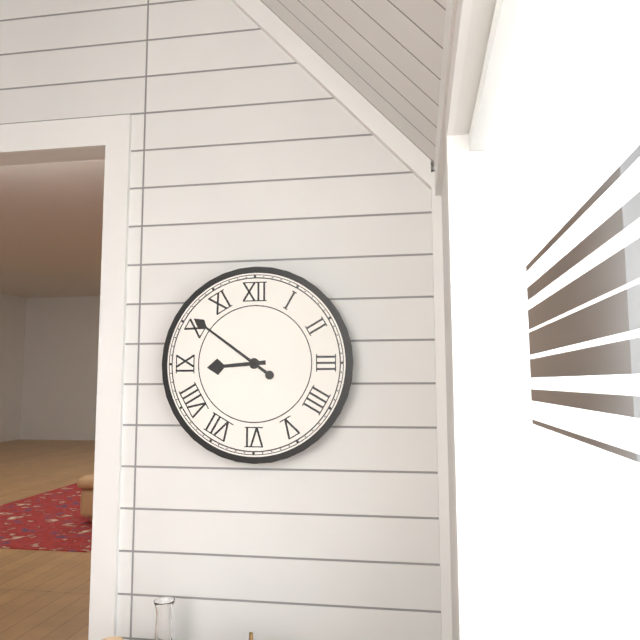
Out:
8 h 51 min
